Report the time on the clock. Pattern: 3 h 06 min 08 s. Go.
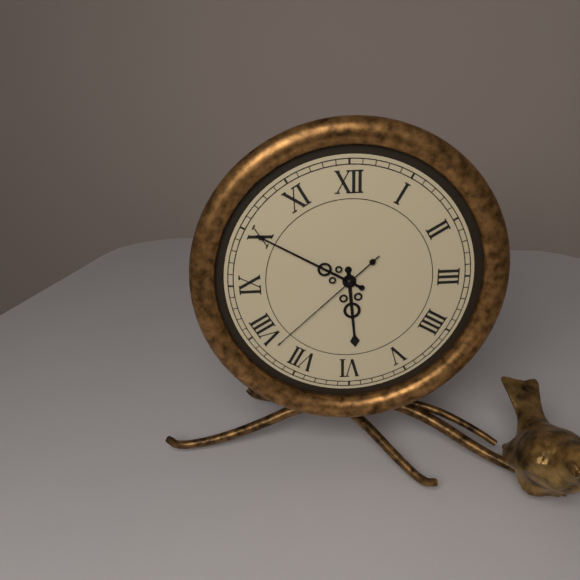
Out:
5 h 50 min 38 s
